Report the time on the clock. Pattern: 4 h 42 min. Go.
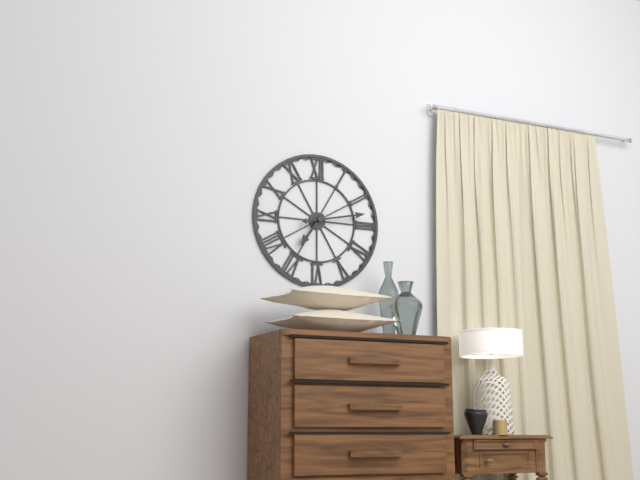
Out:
7 h 13 min
